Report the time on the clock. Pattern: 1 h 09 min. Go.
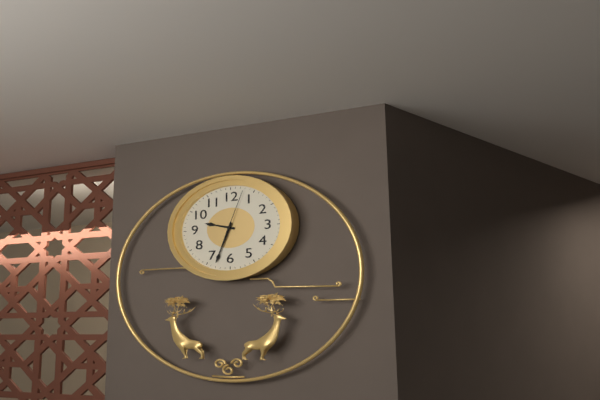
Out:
9 h 33 min
